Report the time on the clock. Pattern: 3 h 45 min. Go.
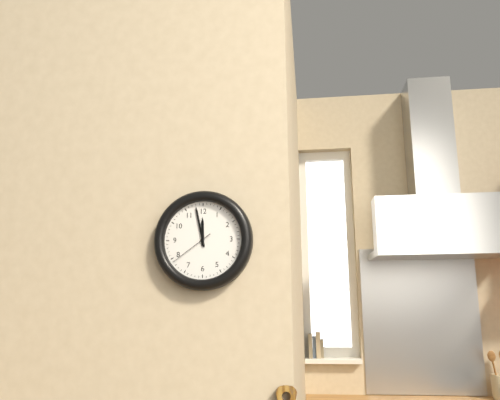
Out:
11 h 58 min
